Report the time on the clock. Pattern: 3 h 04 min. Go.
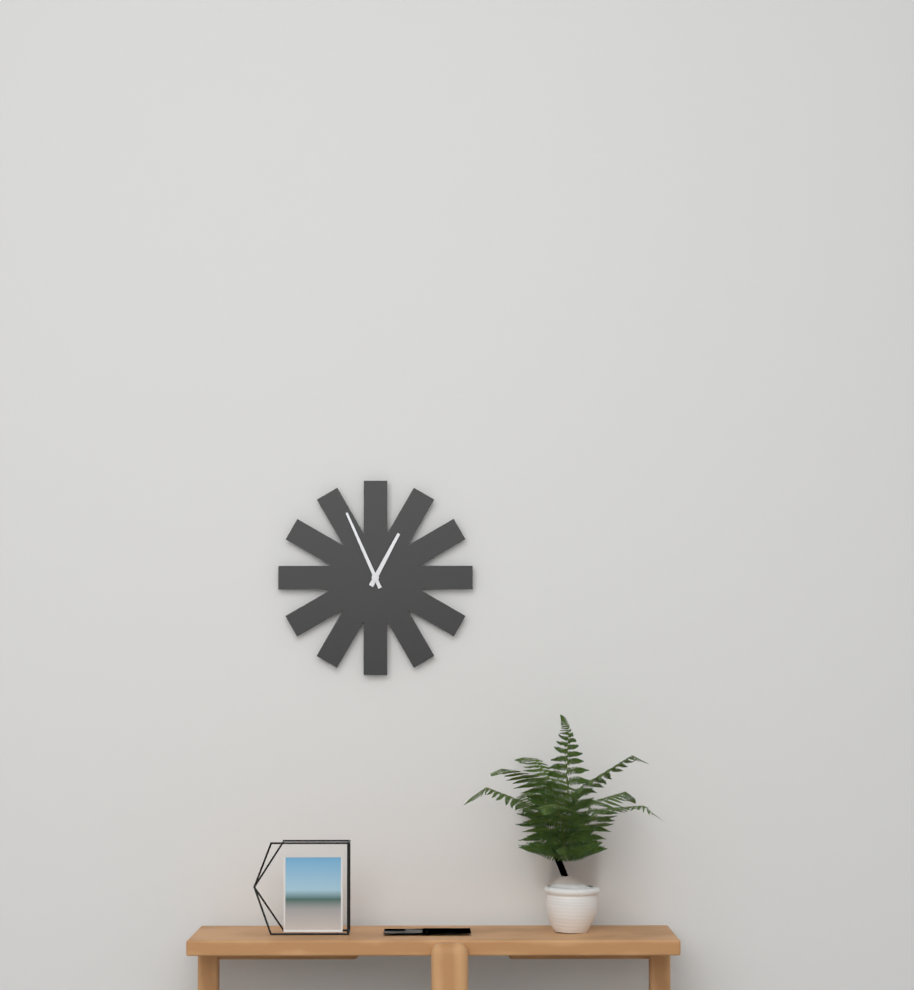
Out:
12 h 56 min
